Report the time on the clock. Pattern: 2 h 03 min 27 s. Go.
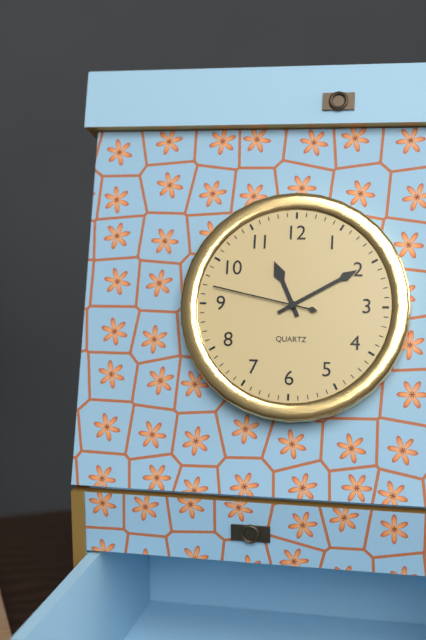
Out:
11 h 10 min 47 s
